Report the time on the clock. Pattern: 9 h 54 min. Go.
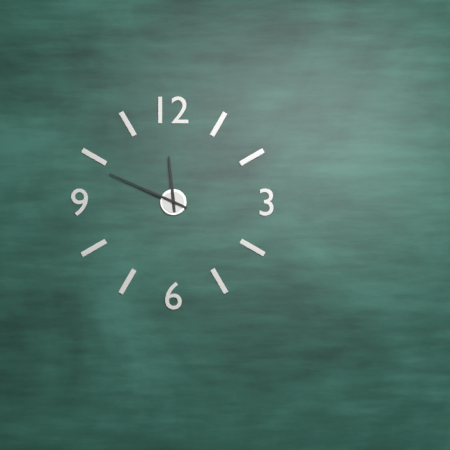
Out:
11 h 49 min
